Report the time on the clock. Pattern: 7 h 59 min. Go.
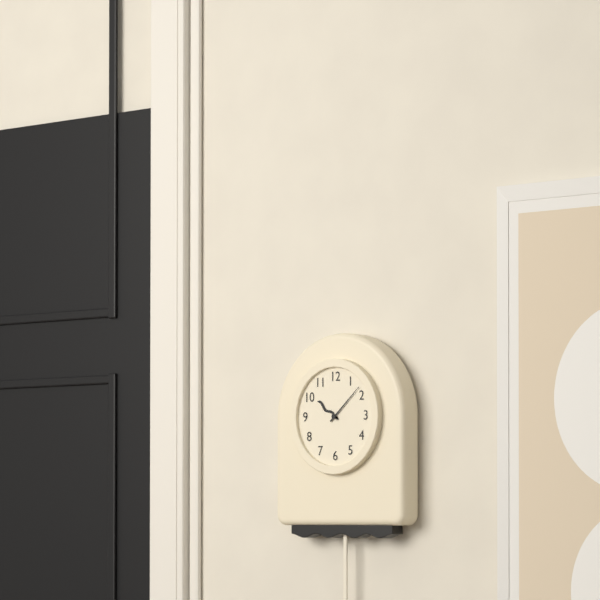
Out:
10 h 08 min
